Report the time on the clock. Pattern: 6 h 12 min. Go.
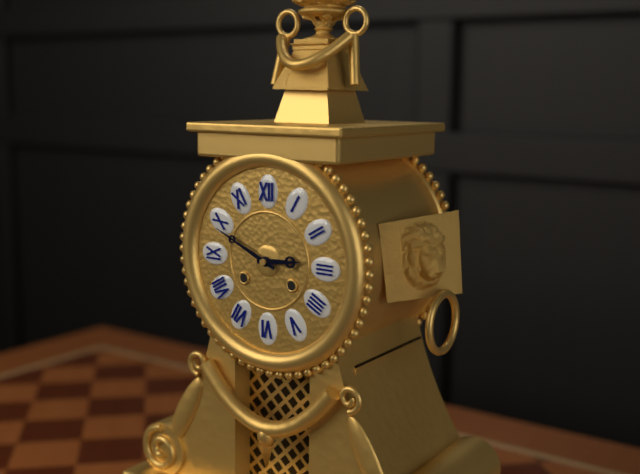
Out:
2 h 49 min
